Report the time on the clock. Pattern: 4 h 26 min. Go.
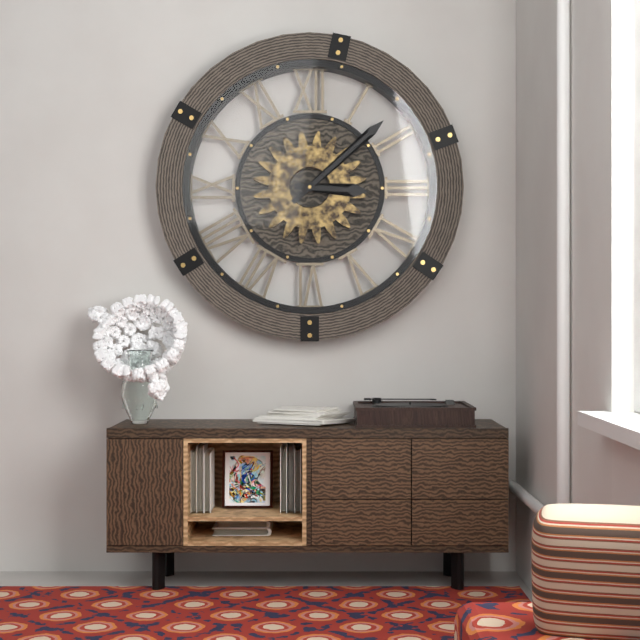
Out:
3 h 08 min
